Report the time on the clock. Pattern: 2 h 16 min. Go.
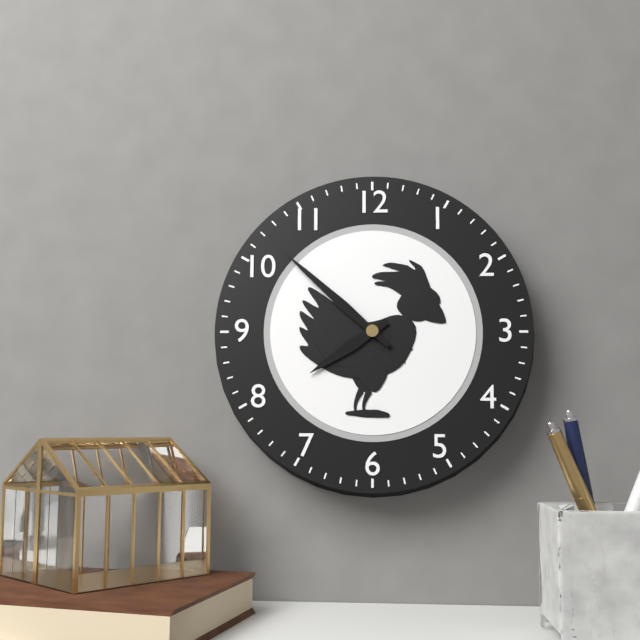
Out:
7 h 52 min
